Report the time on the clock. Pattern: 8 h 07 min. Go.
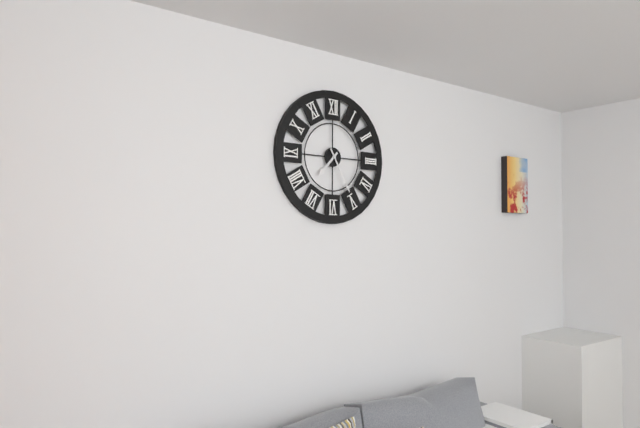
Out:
7 h 25 min
